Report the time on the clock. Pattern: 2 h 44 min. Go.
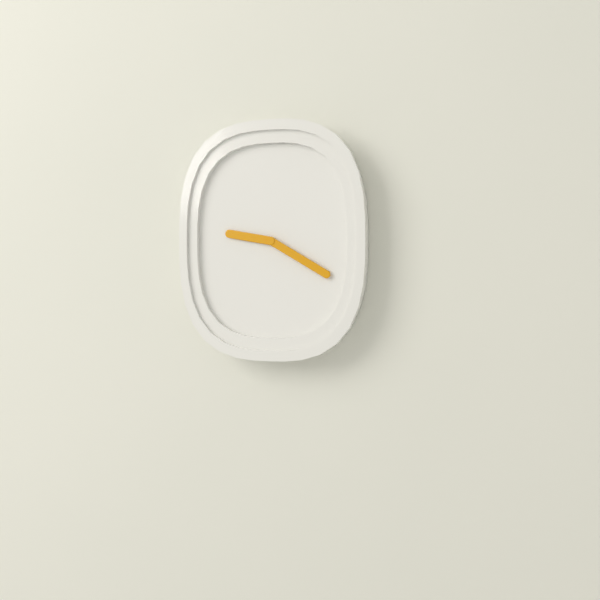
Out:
9 h 20 min
